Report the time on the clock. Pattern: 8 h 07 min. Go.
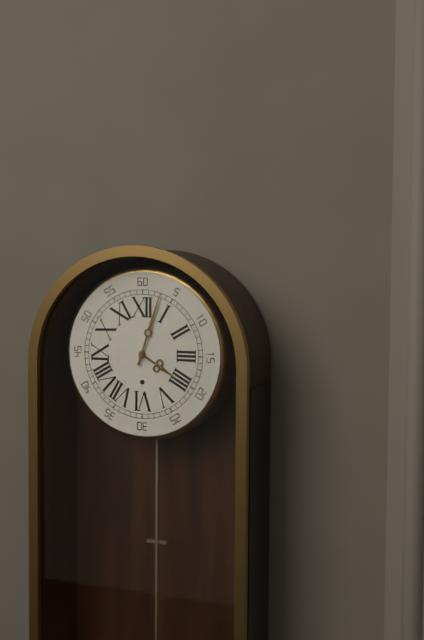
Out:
4 h 03 min
